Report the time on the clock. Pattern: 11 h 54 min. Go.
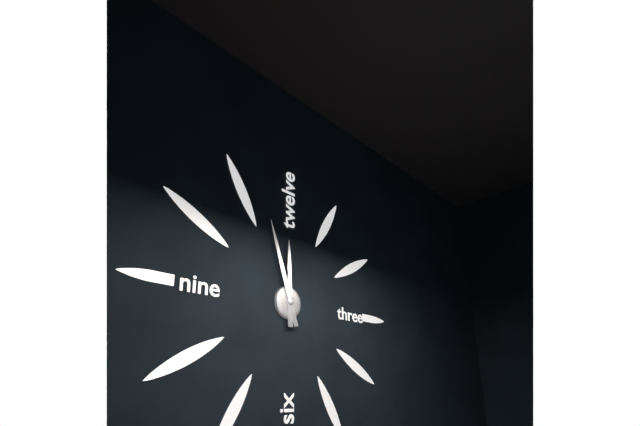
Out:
11 h 57 min
